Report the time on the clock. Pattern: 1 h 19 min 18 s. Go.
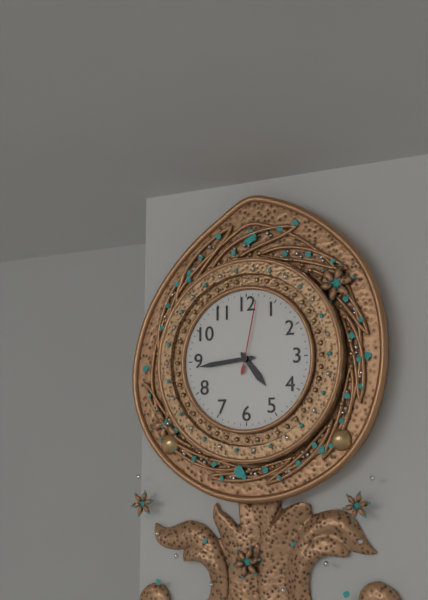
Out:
4 h 44 min 02 s
